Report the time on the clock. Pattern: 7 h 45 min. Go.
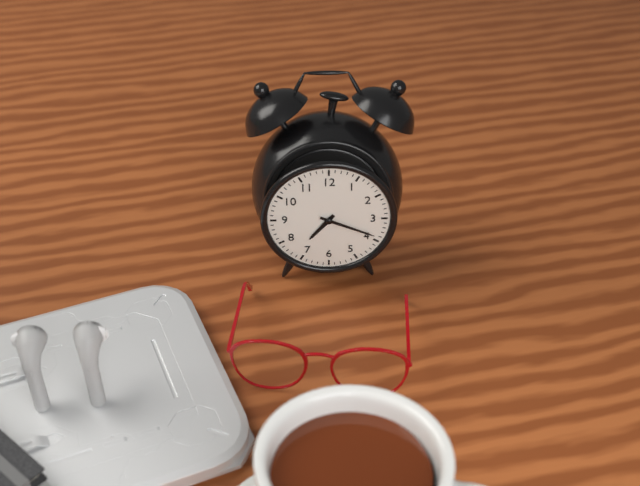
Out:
7 h 19 min
